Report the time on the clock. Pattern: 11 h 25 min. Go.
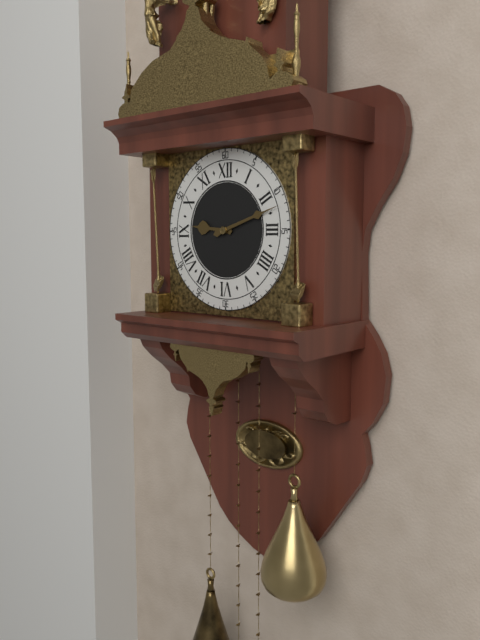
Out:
9 h 12 min
